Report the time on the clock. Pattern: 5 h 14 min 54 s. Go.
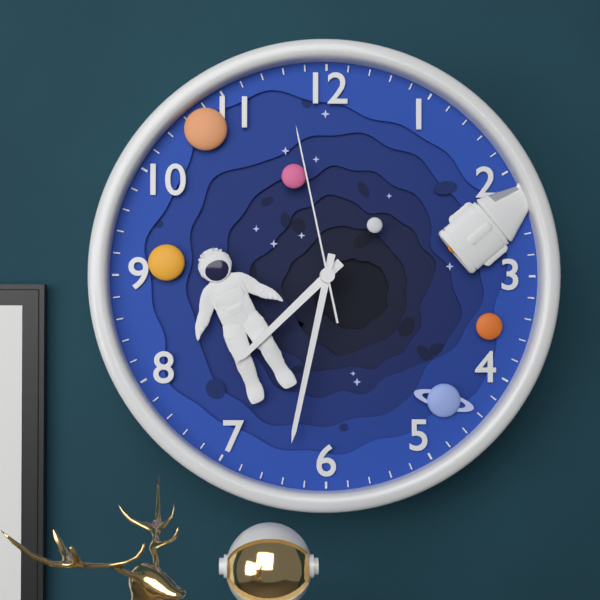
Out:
7 h 32 min 58 s
